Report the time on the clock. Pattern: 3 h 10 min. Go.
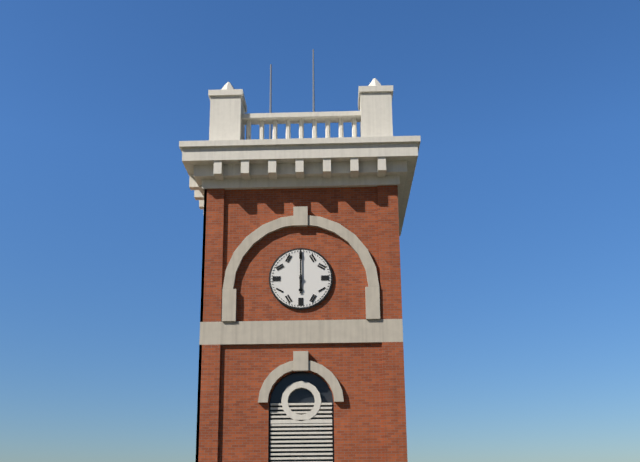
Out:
6 h 00 min
